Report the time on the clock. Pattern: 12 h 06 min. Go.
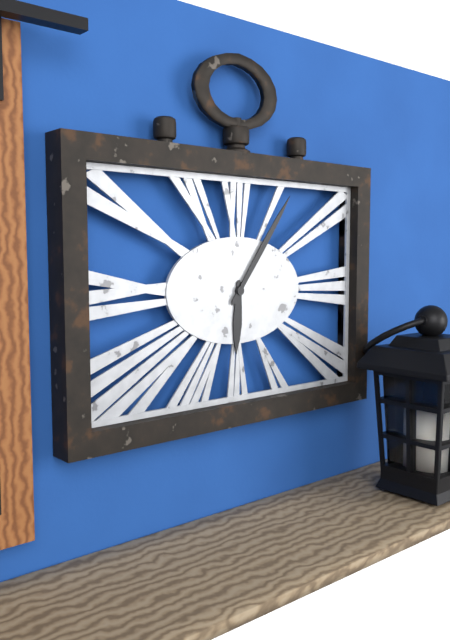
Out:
6 h 06 min
